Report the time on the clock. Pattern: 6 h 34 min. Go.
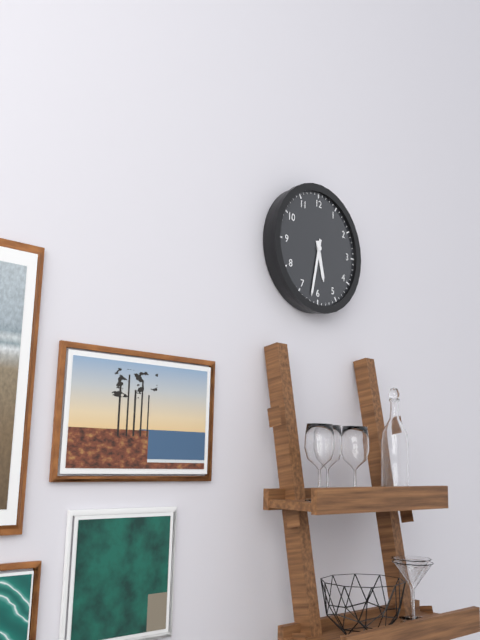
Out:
5 h 32 min
